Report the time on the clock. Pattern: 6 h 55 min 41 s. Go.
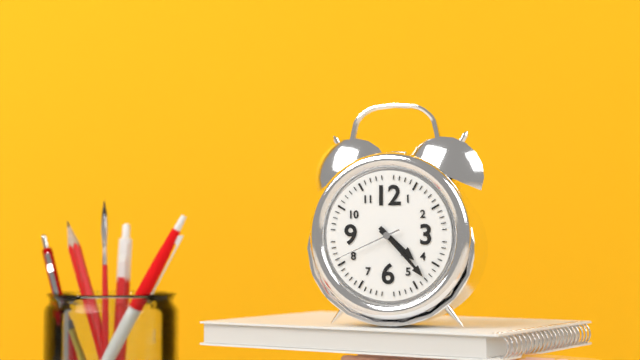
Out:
4 h 23 min 41 s
